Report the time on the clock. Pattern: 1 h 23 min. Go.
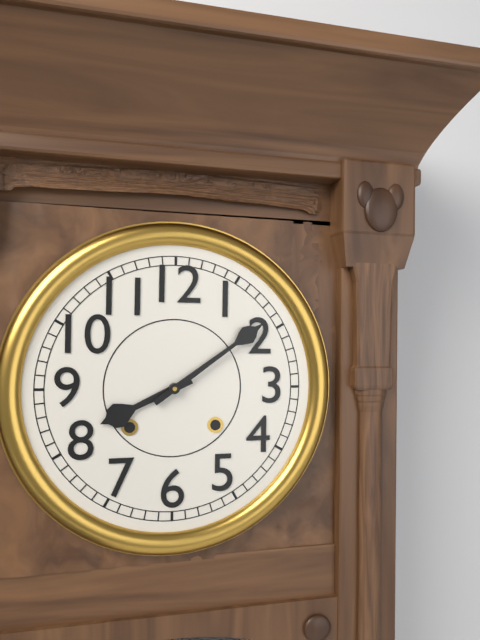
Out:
8 h 09 min
